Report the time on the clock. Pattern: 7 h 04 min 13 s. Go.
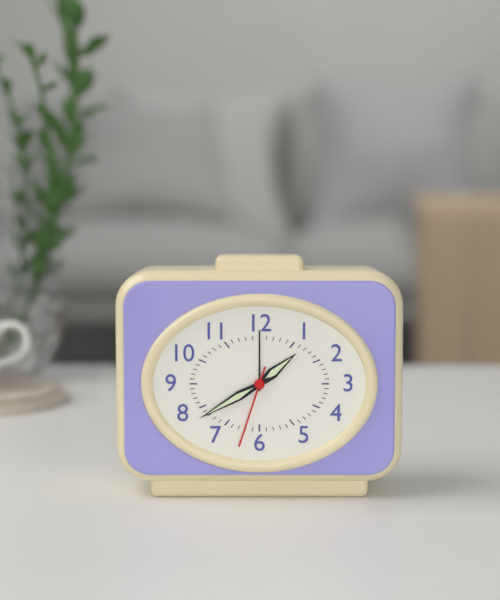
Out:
1 h 40 min 33 s
